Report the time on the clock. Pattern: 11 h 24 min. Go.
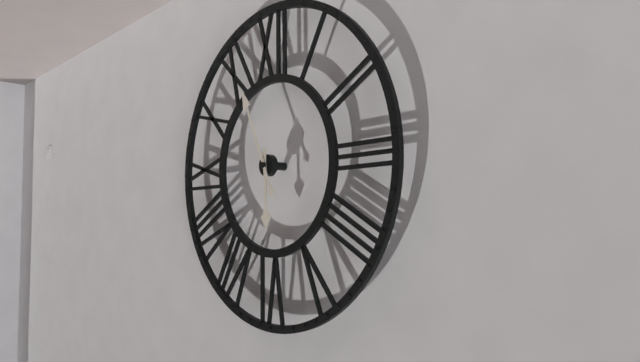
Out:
5 h 56 min
